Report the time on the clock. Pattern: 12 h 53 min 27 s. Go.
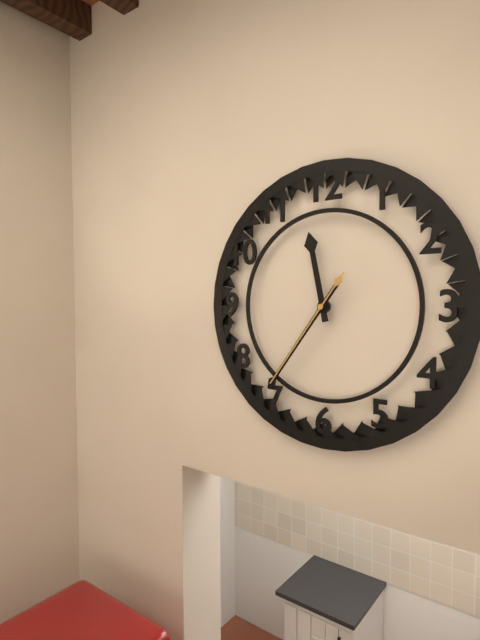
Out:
11 h 36 min 36 s
